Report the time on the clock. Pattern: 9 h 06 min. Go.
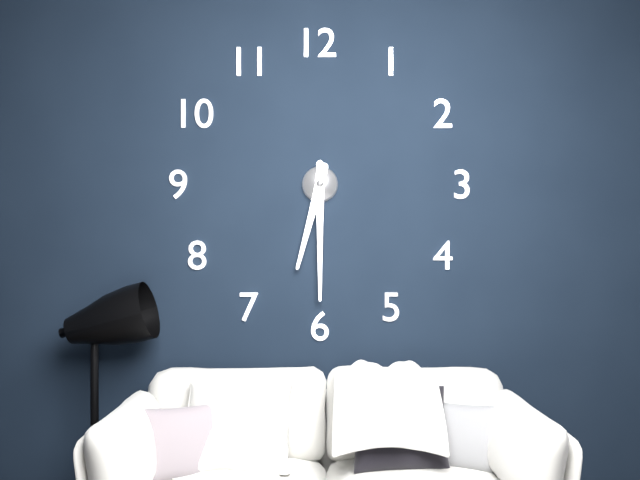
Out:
6 h 30 min
